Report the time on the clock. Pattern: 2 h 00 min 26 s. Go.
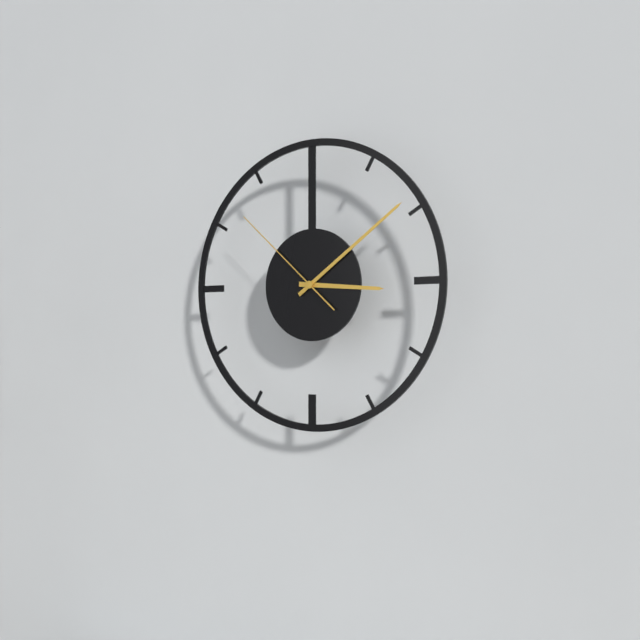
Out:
3 h 09 min 52 s
